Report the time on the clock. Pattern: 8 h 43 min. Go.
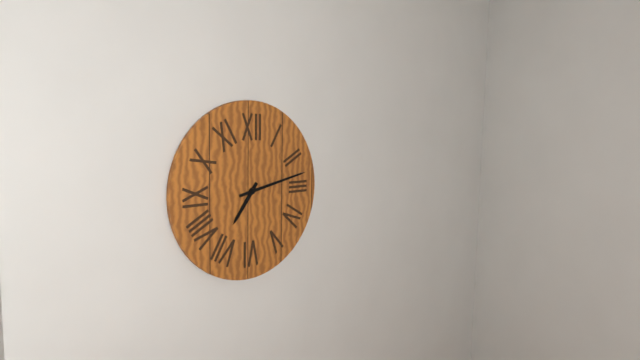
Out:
7 h 13 min
